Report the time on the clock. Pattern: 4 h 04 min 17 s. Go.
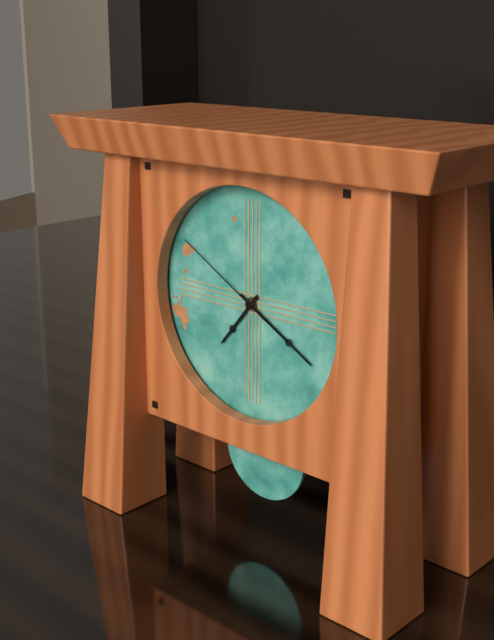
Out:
7 h 20 min 50 s
